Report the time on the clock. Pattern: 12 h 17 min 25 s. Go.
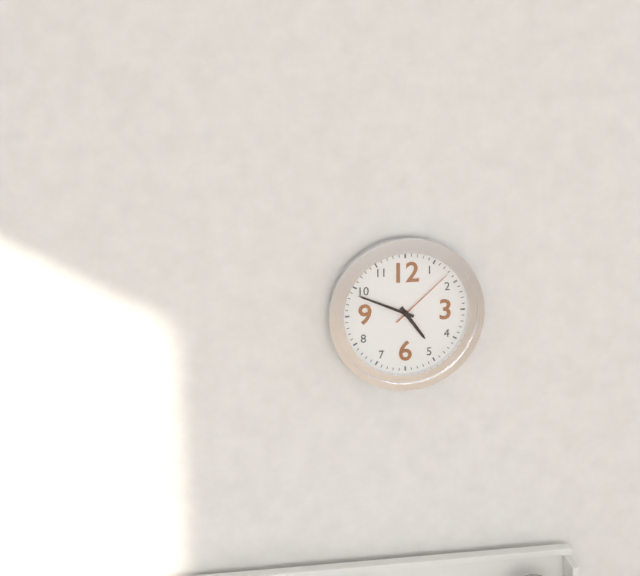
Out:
4 h 49 min 08 s
